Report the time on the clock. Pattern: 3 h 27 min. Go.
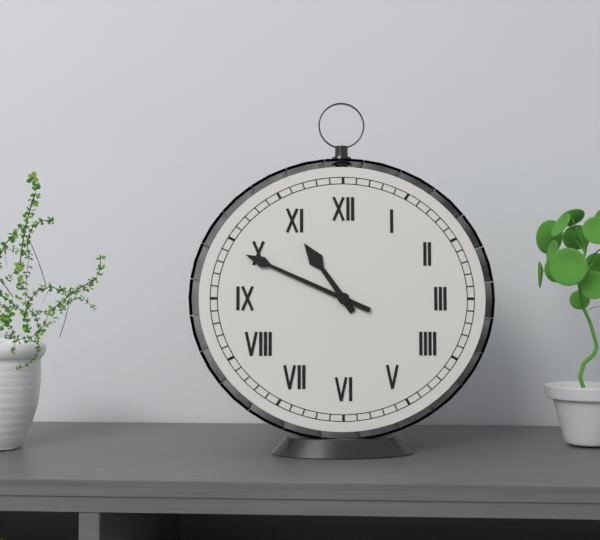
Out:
10 h 49 min
